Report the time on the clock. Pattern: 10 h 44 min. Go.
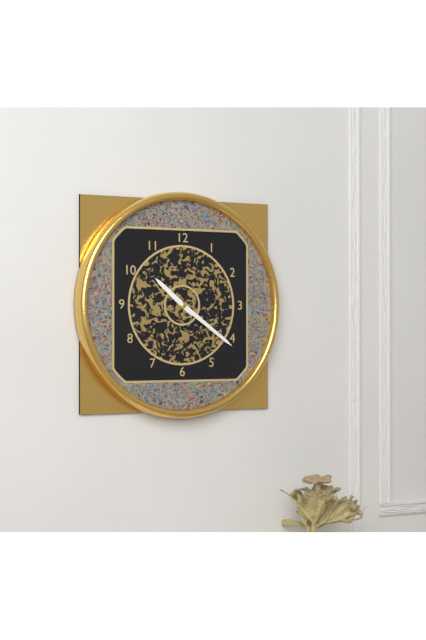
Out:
10 h 21 min
